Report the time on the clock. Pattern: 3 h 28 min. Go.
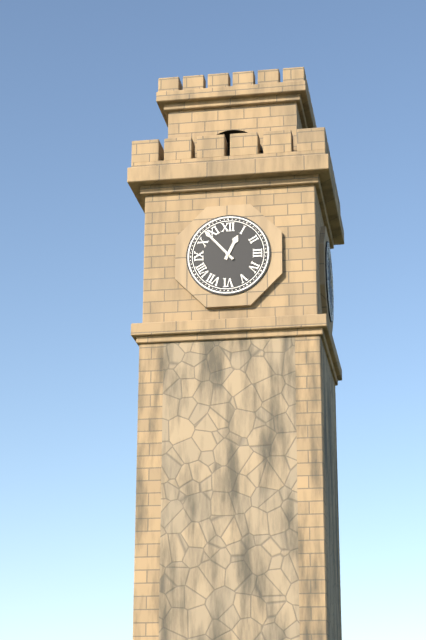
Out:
12 h 53 min
